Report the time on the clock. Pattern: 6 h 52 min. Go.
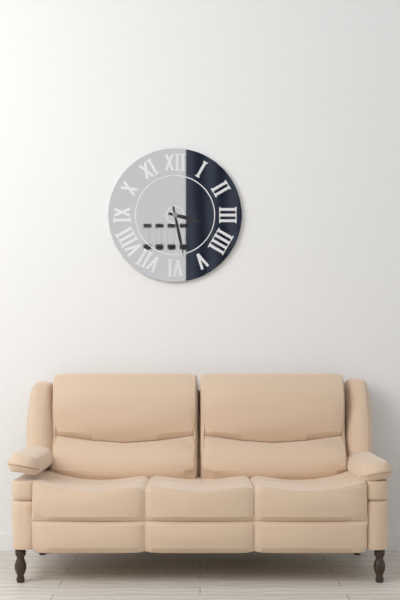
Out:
3 h 28 min
